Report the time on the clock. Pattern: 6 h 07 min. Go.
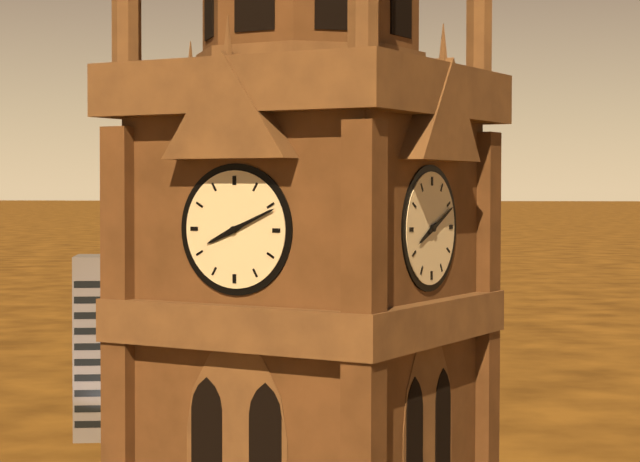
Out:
8 h 11 min
